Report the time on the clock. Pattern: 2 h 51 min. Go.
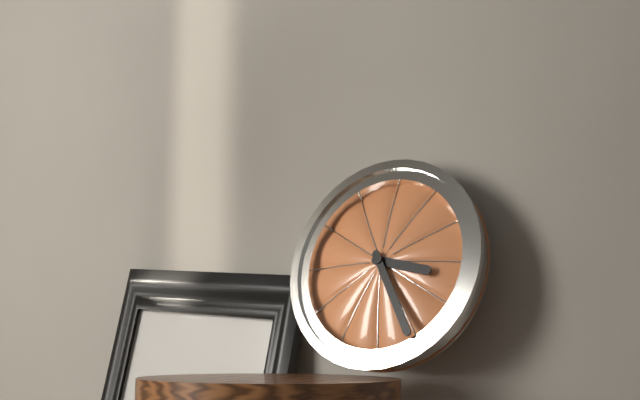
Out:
3 h 25 min
